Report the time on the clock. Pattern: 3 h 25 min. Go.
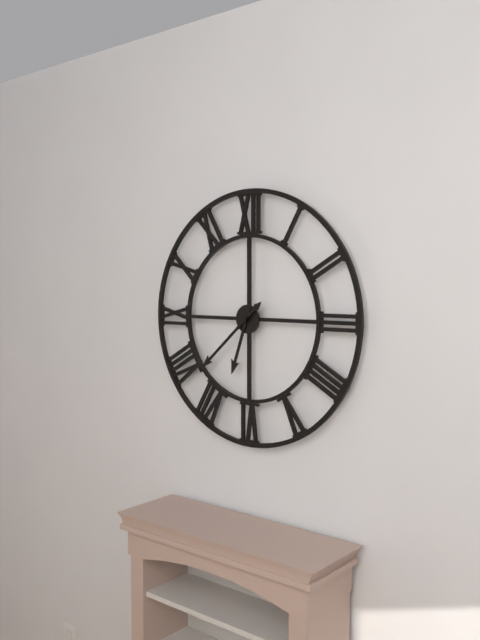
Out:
6 h 38 min
